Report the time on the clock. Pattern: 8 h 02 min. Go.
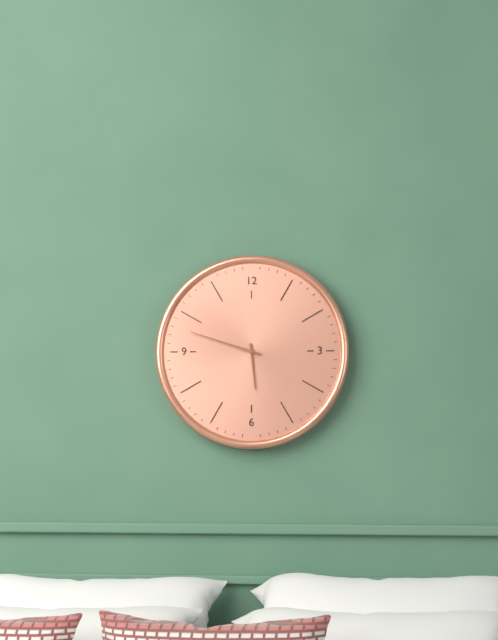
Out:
5 h 48 min
